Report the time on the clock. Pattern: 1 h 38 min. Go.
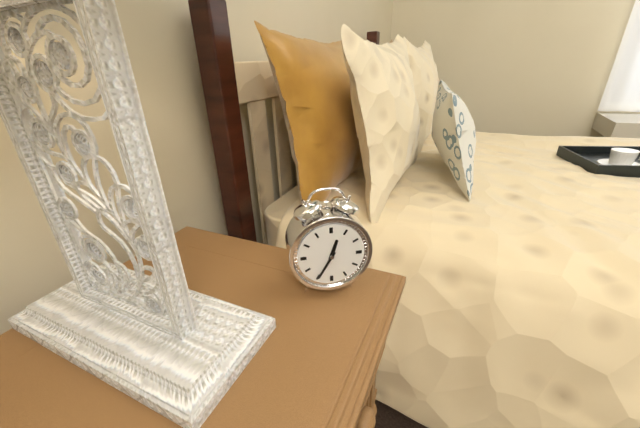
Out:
12 h 35 min
